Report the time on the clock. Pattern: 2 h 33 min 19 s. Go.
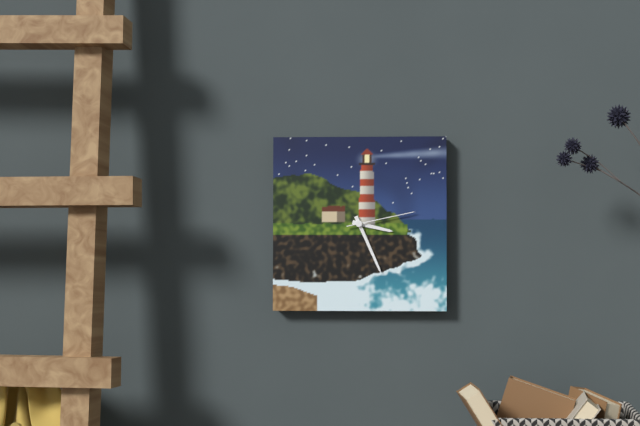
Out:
3 h 26 min 13 s
